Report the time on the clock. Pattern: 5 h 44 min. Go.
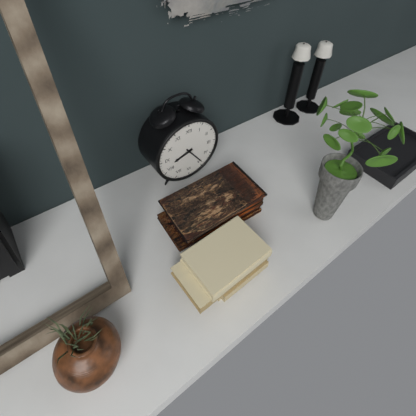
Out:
8 h 24 min
